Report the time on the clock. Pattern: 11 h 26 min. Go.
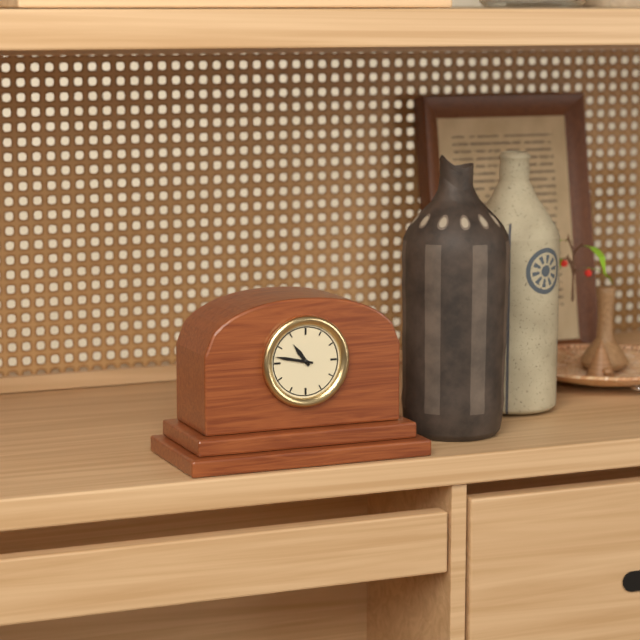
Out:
10 h 47 min
